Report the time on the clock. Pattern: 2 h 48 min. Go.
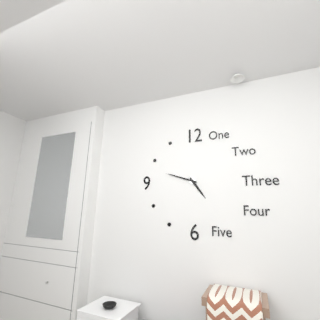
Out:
4 h 48 min
